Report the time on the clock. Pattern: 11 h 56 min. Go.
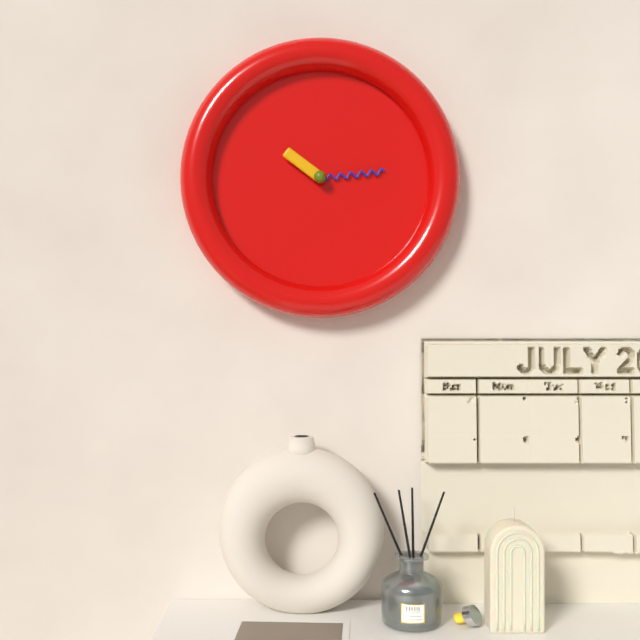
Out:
10 h 14 min
